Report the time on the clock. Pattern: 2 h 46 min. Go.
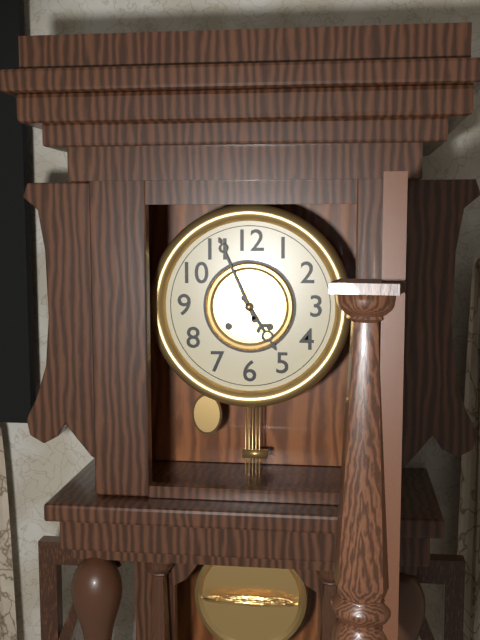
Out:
4 h 56 min
